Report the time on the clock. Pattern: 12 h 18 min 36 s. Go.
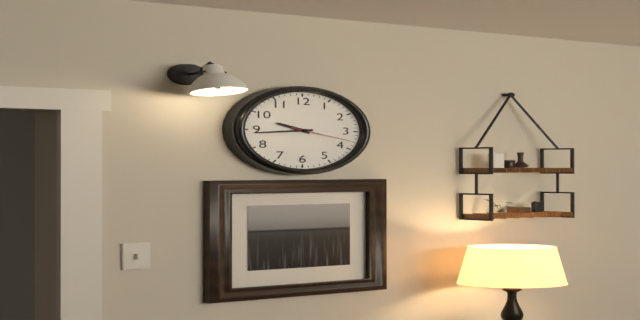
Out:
9 h 44 min 18 s
